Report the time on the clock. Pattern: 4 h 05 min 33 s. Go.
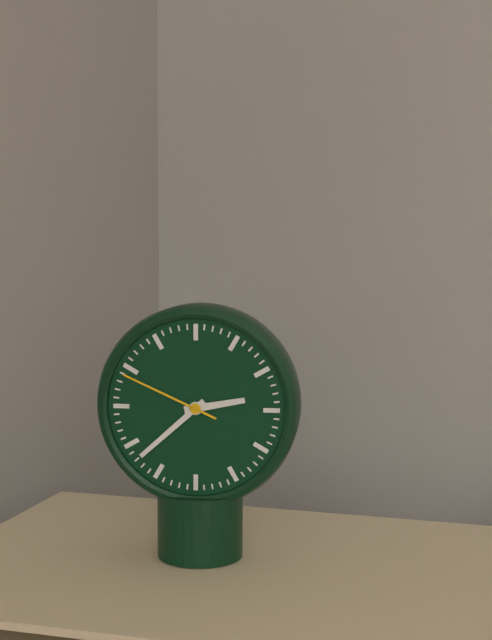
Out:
2 h 38 min 49 s
